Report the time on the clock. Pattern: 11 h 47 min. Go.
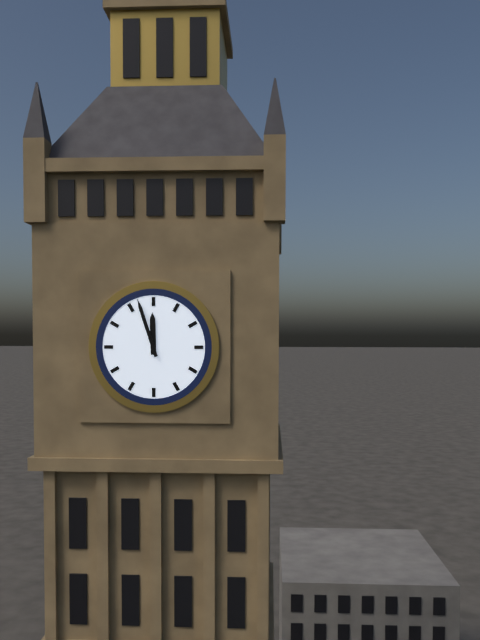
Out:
11 h 57 min
